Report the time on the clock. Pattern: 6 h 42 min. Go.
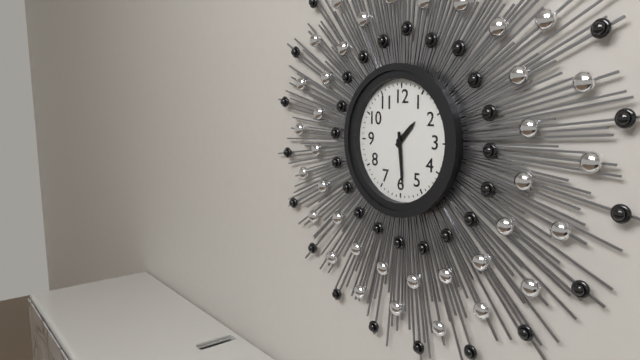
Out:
1 h 29 min
